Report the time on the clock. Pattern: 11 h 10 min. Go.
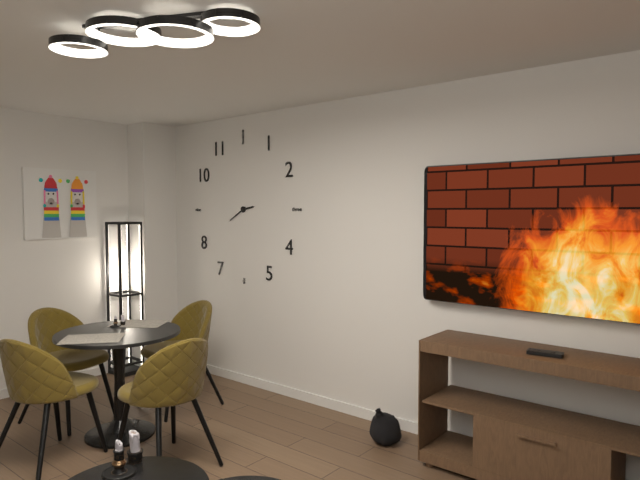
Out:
2 h 40 min
